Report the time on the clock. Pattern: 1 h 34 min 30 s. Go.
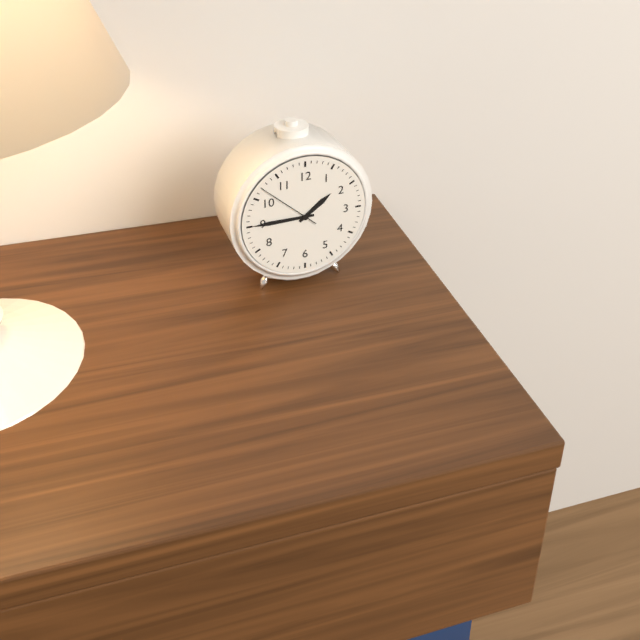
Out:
1 h 45 min 52 s
